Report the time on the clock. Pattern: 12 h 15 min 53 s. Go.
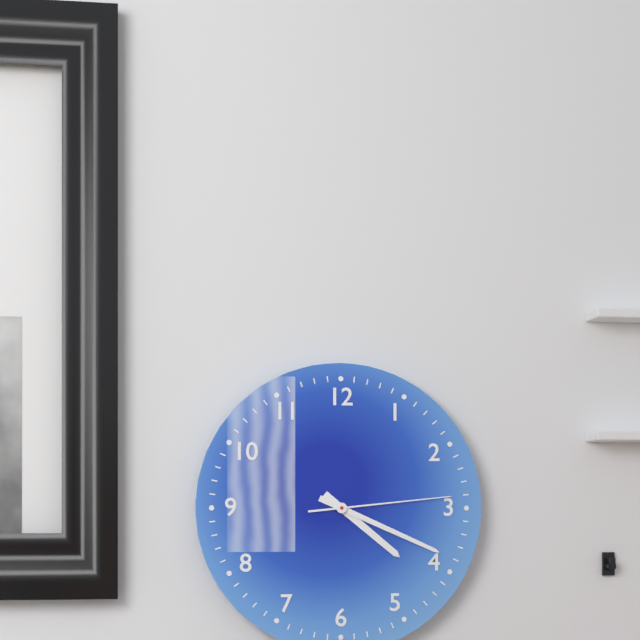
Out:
4 h 19 min 14 s
